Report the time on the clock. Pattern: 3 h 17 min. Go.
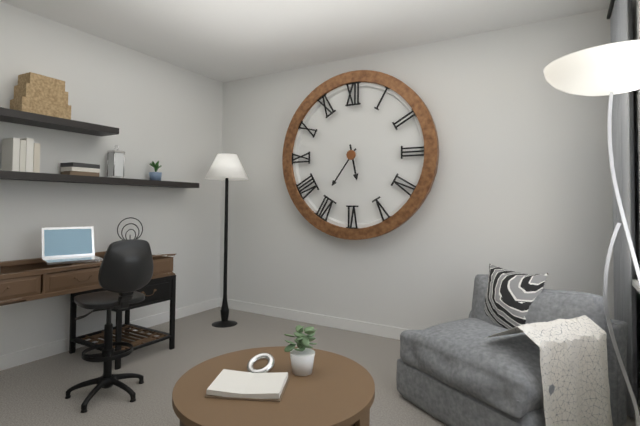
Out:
5 h 36 min
